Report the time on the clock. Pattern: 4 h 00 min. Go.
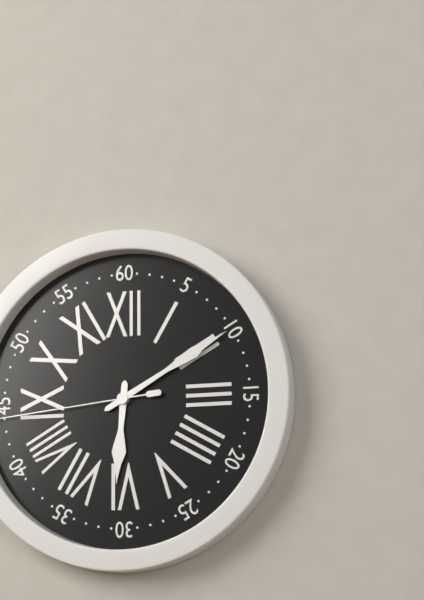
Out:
6 h 10 min
